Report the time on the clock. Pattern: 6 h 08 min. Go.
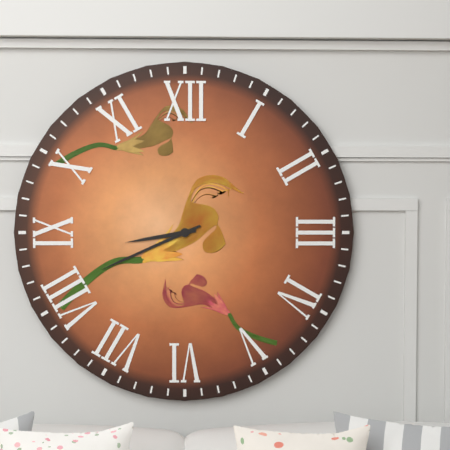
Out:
8 h 41 min
